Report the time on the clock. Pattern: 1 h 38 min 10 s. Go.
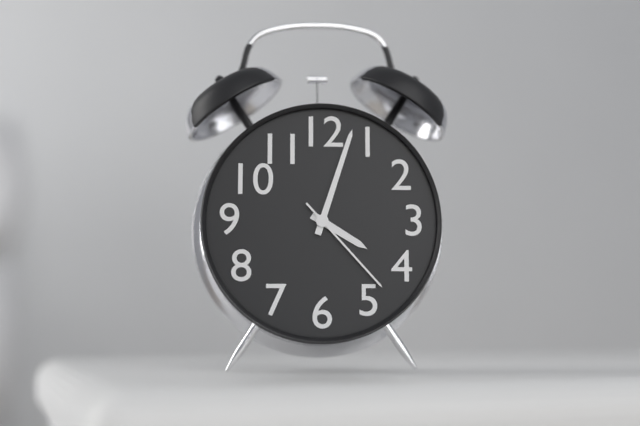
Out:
4 h 03 min 23 s
